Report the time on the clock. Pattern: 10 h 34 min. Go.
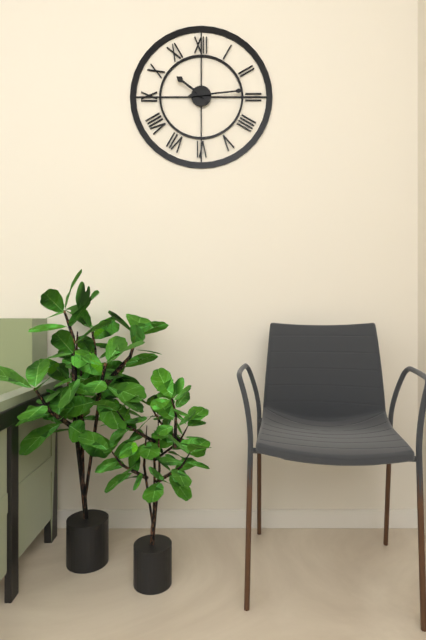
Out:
10 h 14 min
